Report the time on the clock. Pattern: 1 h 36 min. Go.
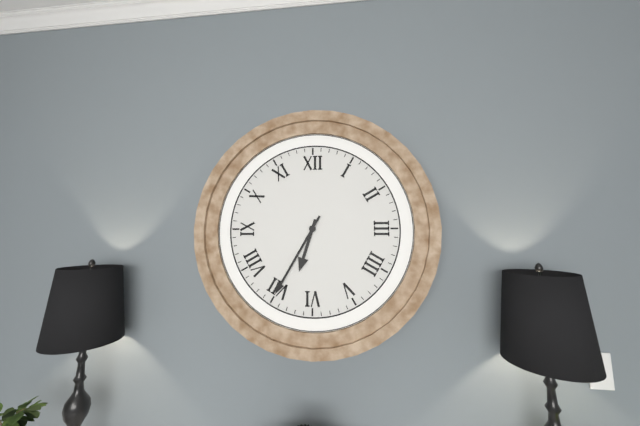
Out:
6 h 35 min
